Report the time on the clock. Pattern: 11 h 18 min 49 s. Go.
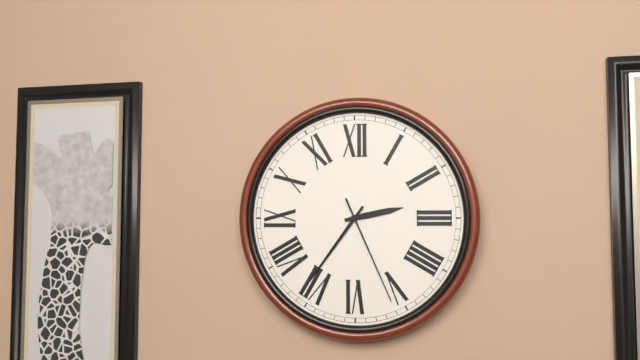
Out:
2 h 36 min 26 s
